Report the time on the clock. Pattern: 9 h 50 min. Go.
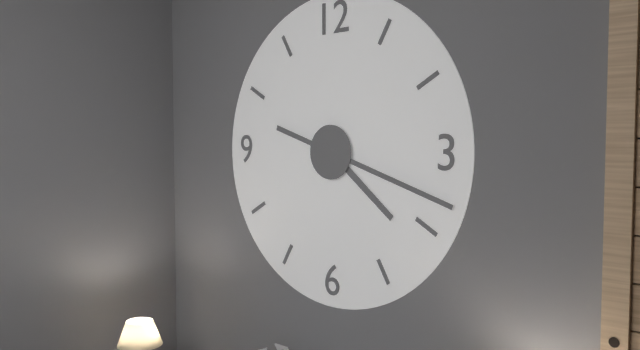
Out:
4 h 18 min
